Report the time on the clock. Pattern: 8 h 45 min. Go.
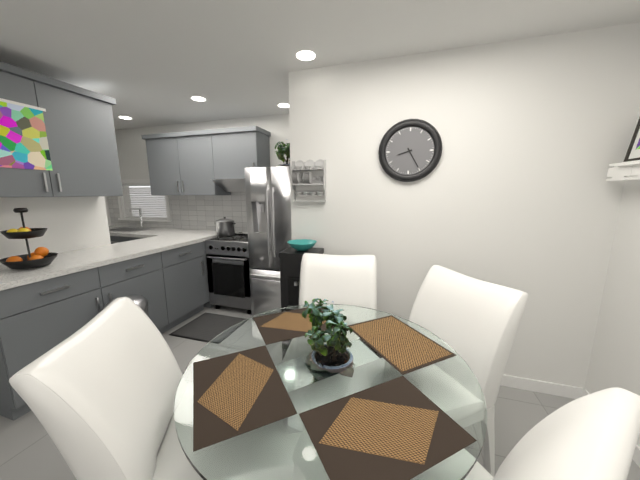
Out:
8 h 25 min
